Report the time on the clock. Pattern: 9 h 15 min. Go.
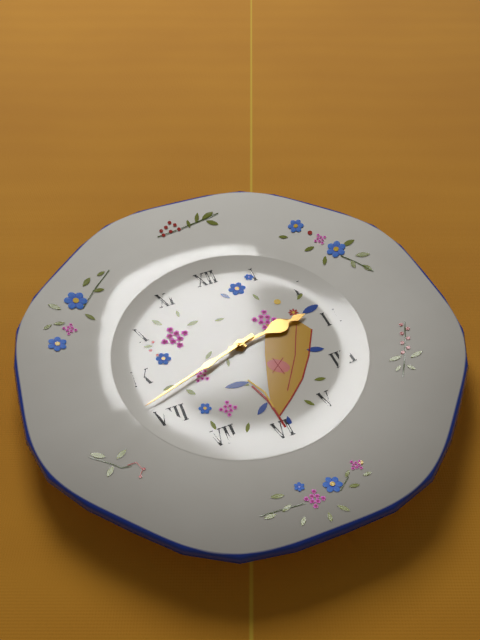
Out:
2 h 42 min
